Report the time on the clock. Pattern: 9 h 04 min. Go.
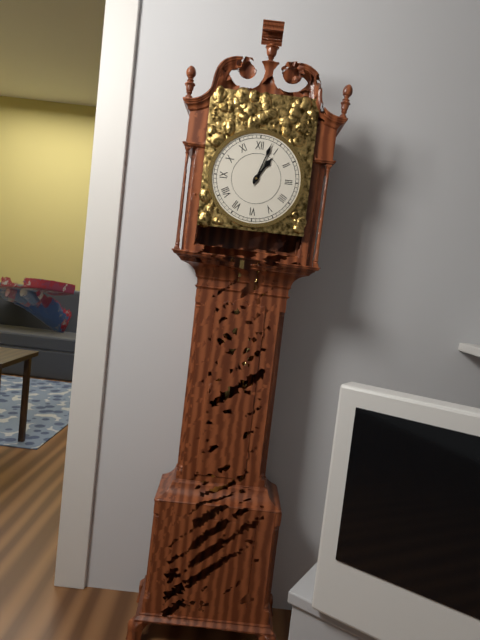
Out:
1 h 03 min
